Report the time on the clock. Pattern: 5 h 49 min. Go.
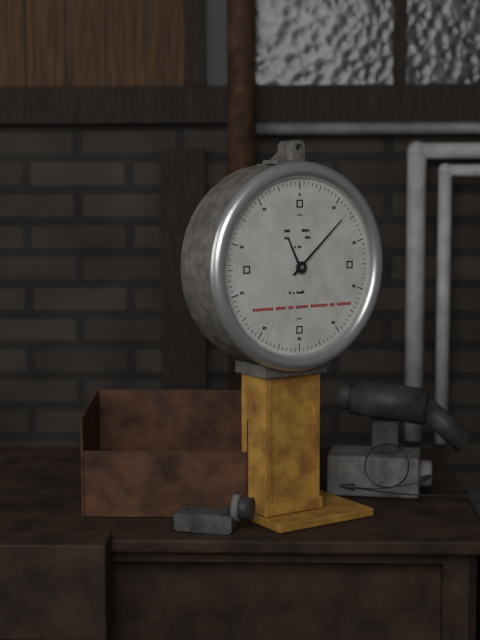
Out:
11 h 08 min
